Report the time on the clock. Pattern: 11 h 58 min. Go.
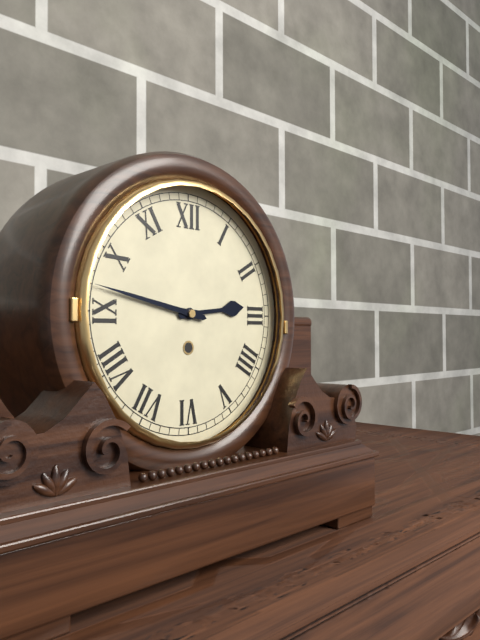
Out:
2 h 47 min
